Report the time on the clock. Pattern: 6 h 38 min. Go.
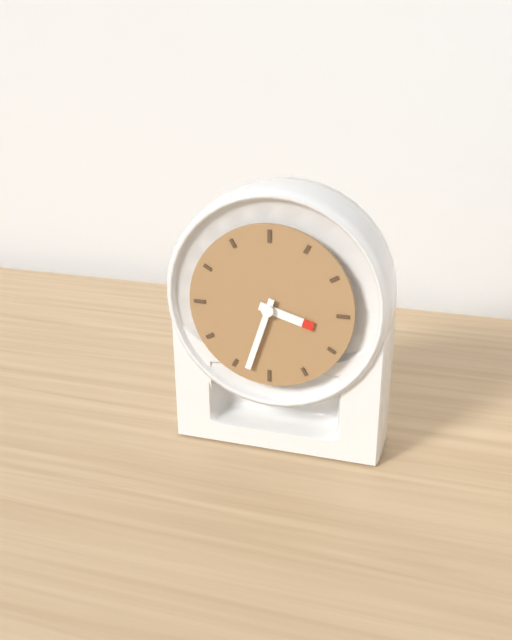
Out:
3 h 33 min
